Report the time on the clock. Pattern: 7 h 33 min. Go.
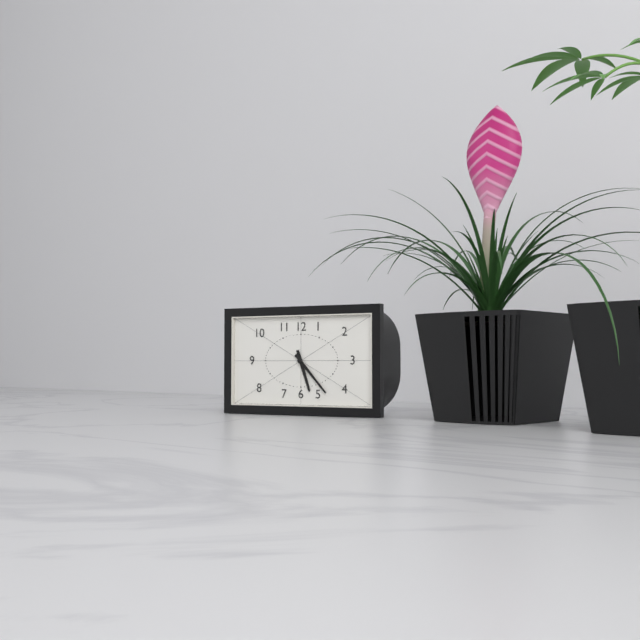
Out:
5 h 23 min
